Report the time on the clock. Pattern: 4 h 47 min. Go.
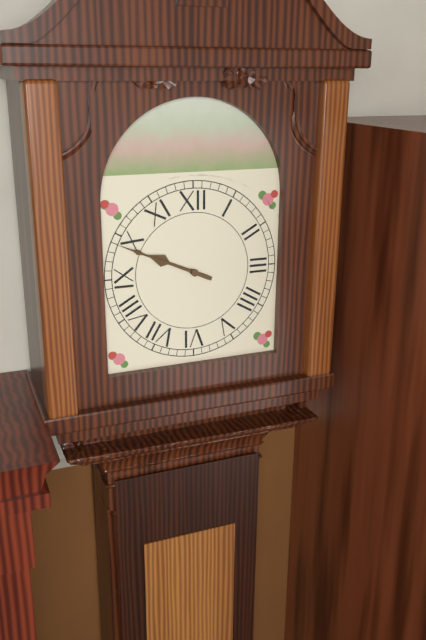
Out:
9 h 49 min
